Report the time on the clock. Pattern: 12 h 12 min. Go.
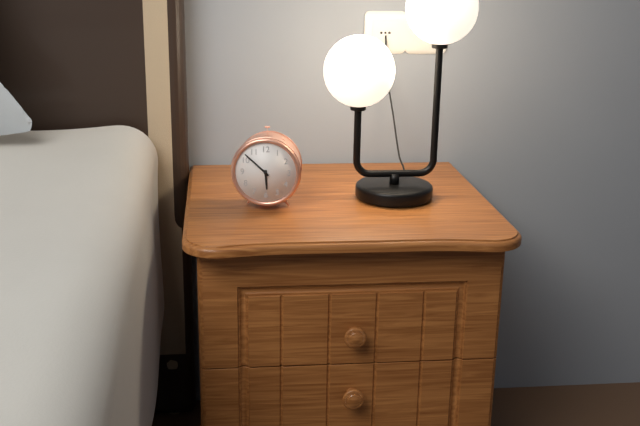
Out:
5 h 52 min
